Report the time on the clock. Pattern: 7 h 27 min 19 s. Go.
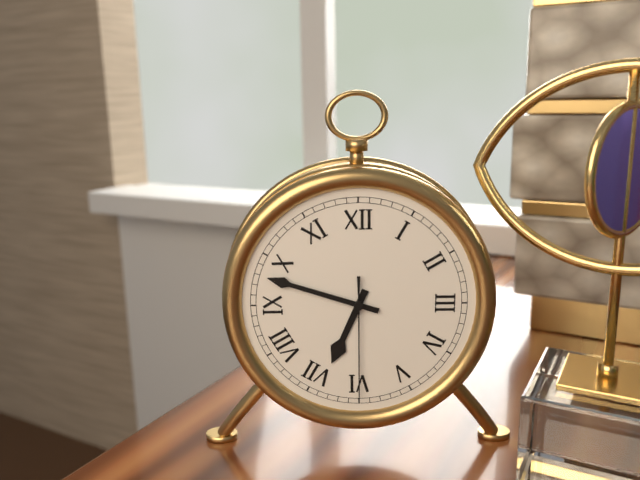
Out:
6 h 48 min 30 s
